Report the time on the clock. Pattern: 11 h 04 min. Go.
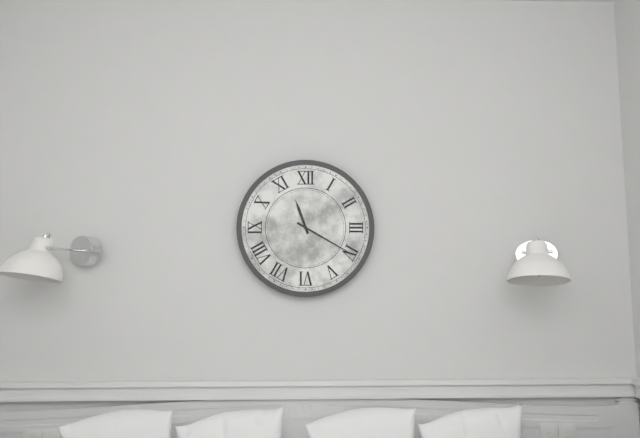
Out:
11 h 20 min
